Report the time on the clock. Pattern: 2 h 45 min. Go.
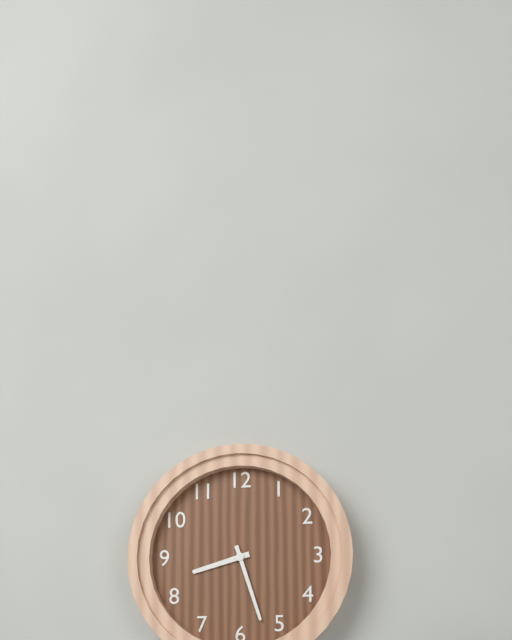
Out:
8 h 27 min
